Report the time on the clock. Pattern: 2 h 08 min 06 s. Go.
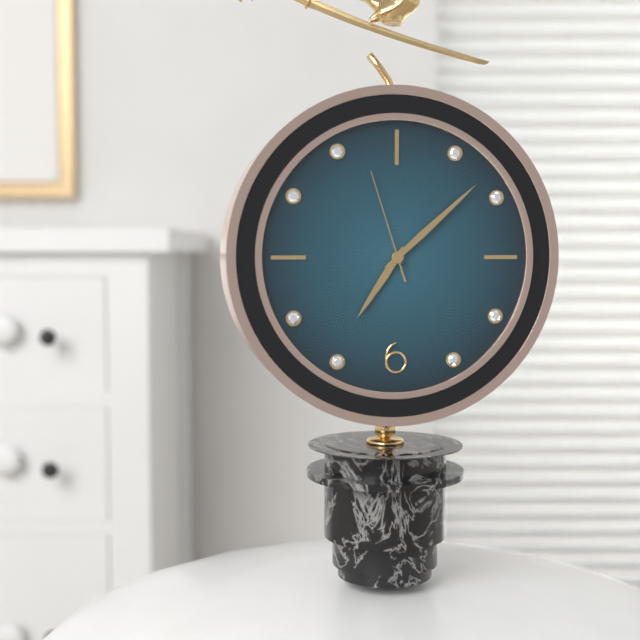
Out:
7 h 08 min 57 s
